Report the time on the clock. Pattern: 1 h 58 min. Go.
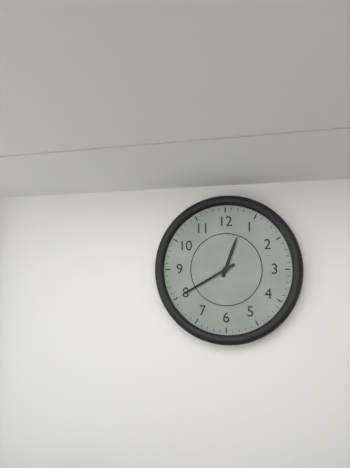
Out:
12 h 40 min
